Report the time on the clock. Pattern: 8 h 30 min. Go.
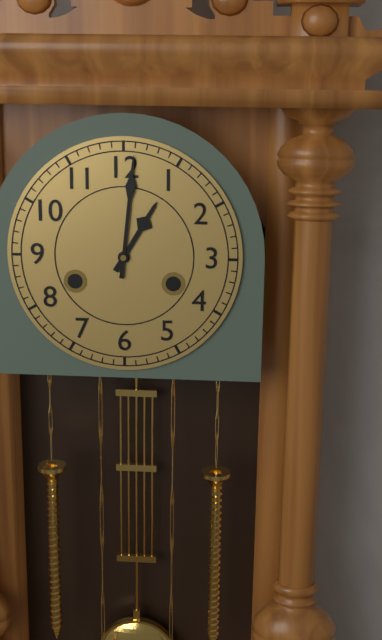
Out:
1 h 01 min
